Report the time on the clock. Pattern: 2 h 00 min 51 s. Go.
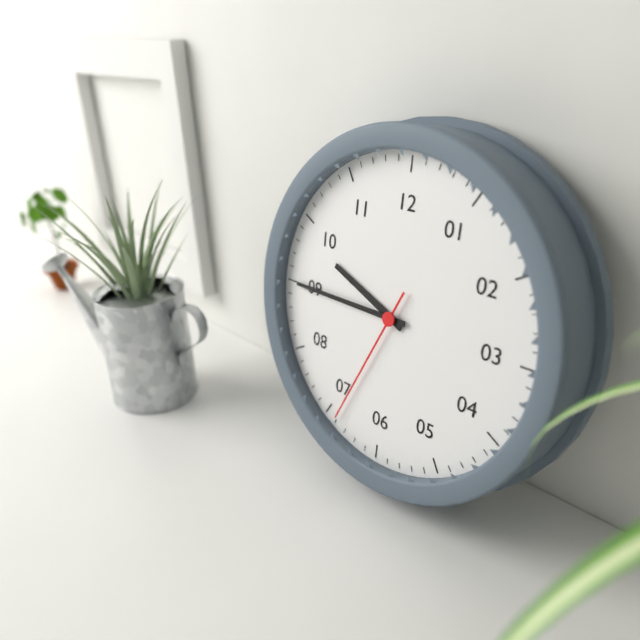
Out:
9 h 45 min 34 s
